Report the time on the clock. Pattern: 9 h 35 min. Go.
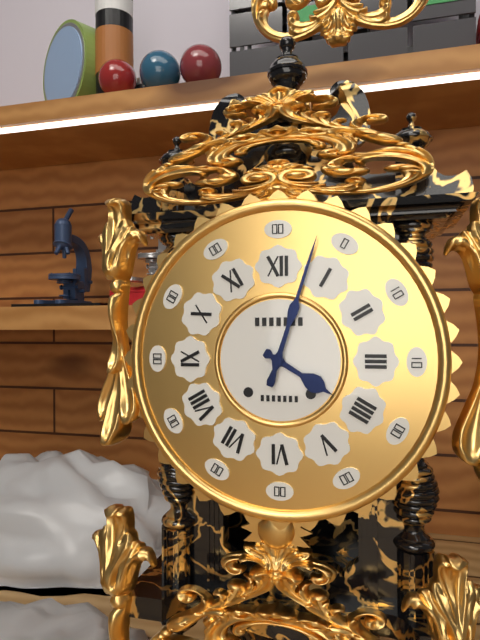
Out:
4 h 03 min
